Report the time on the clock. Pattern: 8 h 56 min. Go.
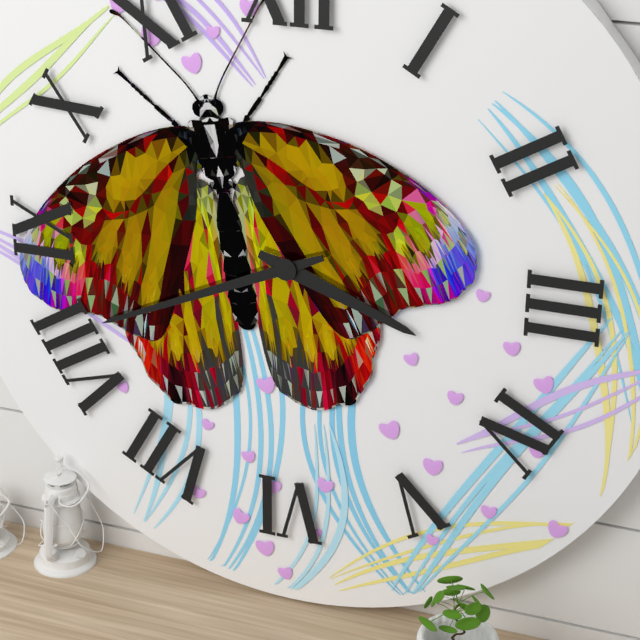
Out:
3 h 41 min
